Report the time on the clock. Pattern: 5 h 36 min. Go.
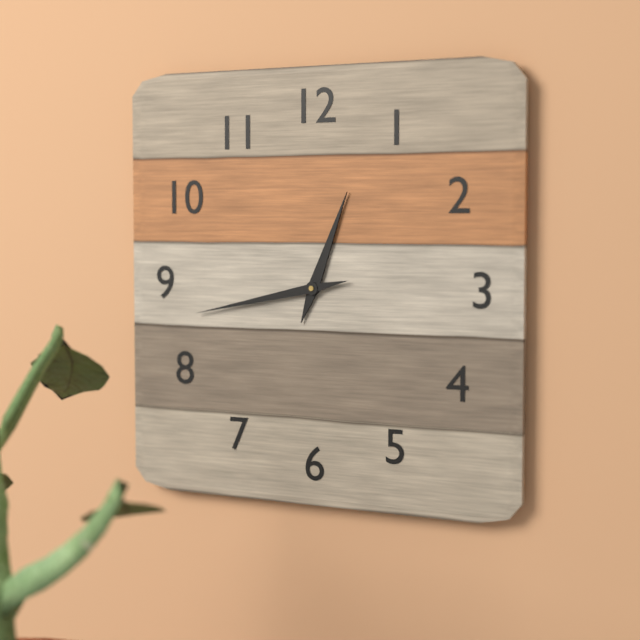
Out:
12 h 43 min
